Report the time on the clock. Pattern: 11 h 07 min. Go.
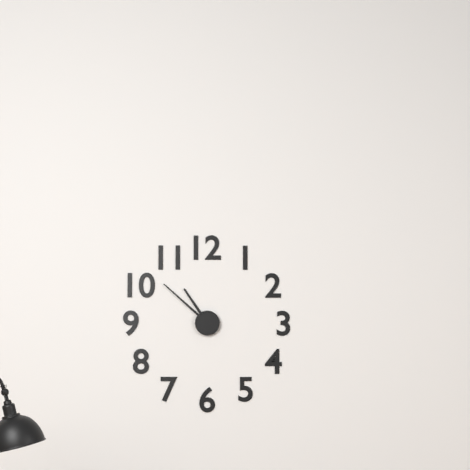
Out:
10 h 52 min
